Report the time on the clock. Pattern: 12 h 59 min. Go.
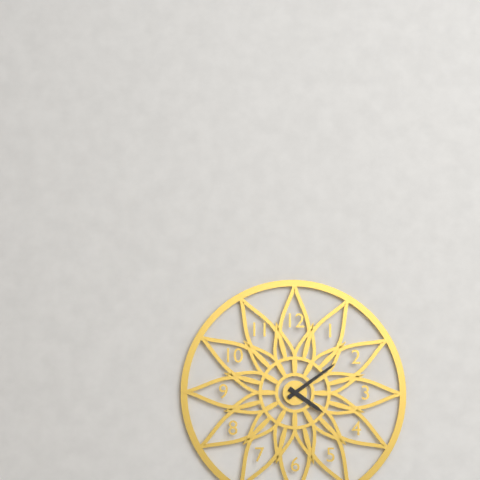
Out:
4 h 09 min
